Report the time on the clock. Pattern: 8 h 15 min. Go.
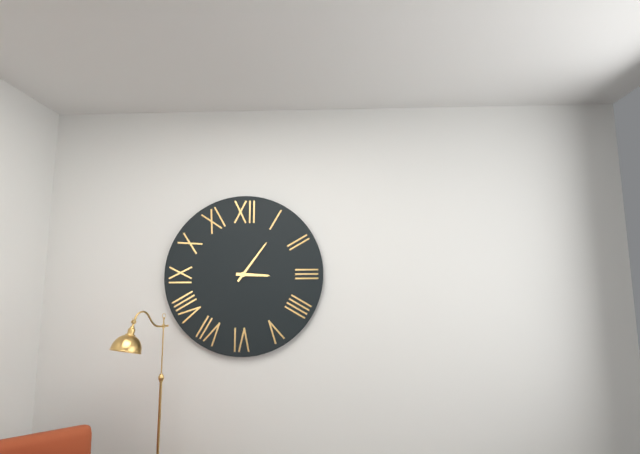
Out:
3 h 06 min
